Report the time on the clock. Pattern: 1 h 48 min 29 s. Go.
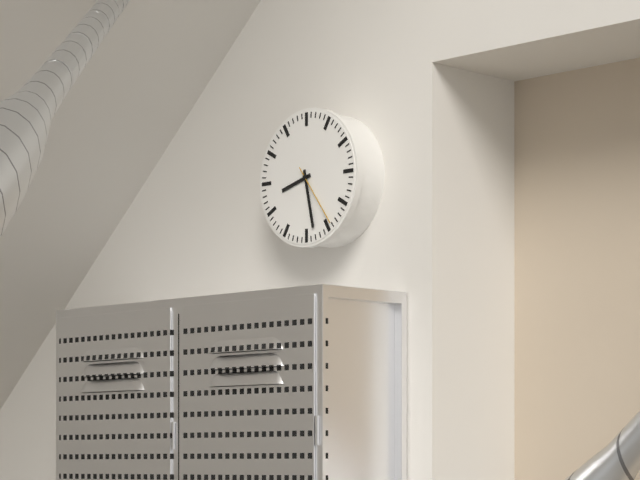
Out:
8 h 28 min 24 s
